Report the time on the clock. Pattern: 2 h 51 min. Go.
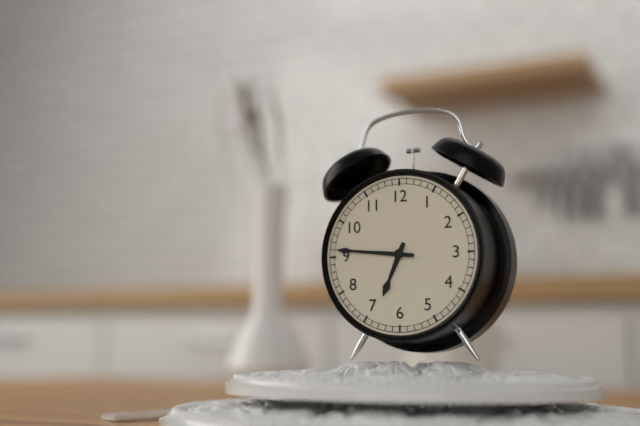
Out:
6 h 46 min
